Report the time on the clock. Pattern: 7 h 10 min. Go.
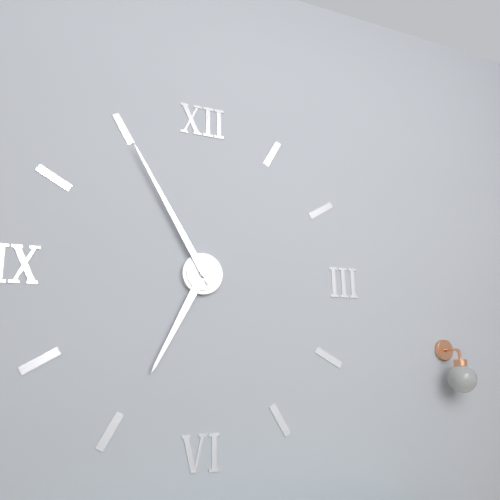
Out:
6 h 55 min
